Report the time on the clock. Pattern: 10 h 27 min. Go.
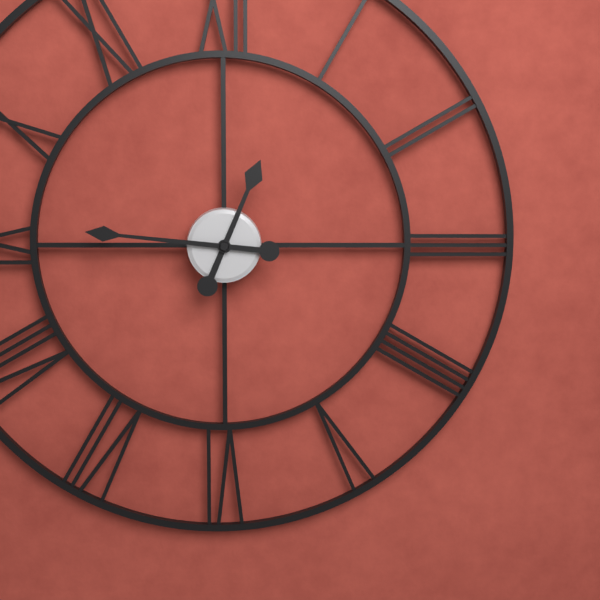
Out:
12 h 46 min
